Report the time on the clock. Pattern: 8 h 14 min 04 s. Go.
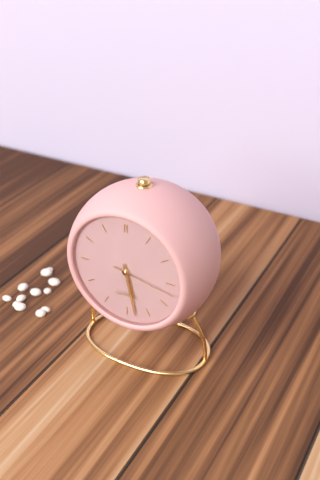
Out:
5 h 28 min 17 s
